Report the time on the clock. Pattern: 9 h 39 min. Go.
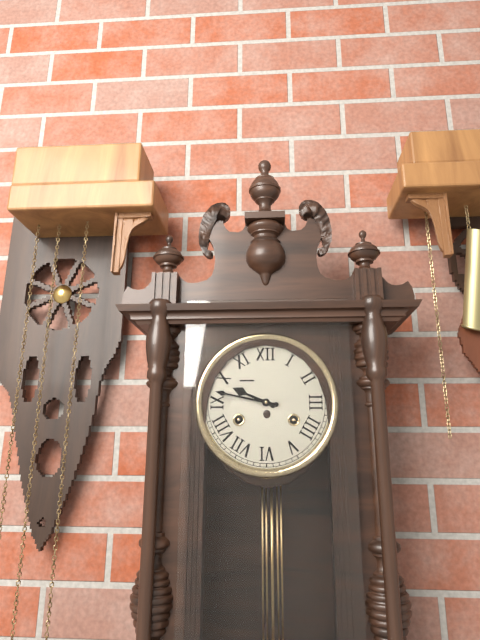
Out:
9 h 47 min
